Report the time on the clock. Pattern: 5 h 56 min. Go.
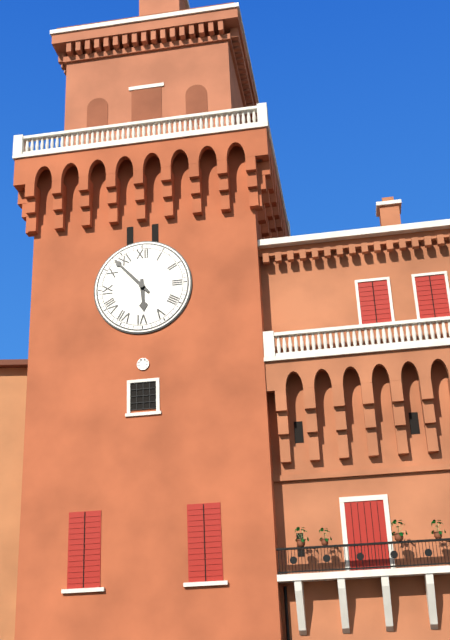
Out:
5 h 53 min
